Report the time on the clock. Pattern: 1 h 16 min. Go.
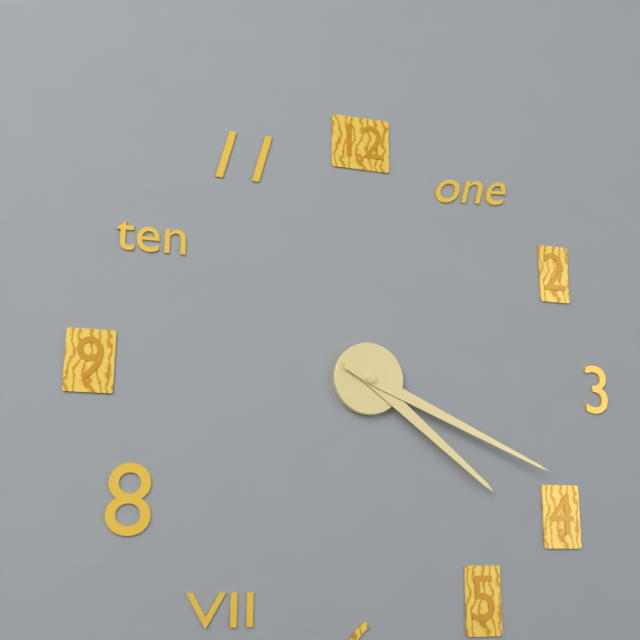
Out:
4 h 19 min
